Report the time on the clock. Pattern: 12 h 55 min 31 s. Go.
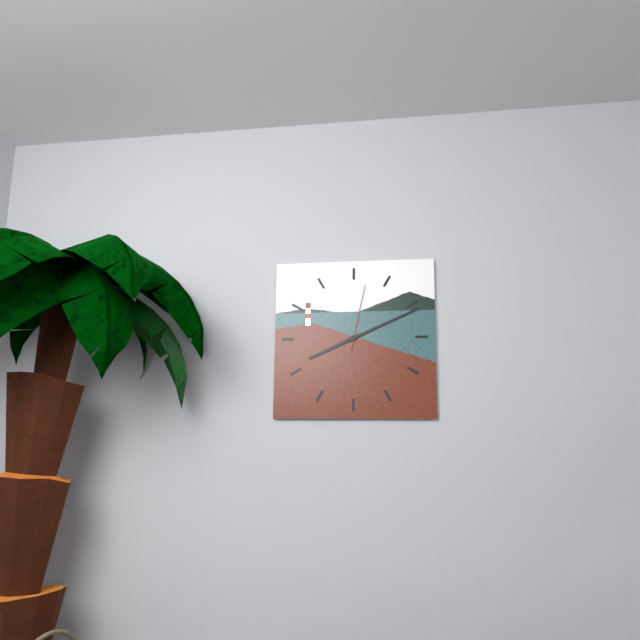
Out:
8 h 11 min 02 s
